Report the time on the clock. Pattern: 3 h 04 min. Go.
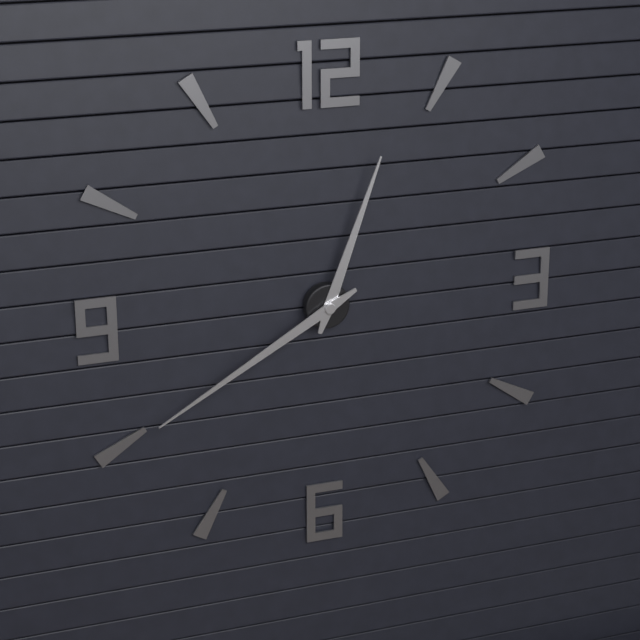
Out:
12 h 40 min
